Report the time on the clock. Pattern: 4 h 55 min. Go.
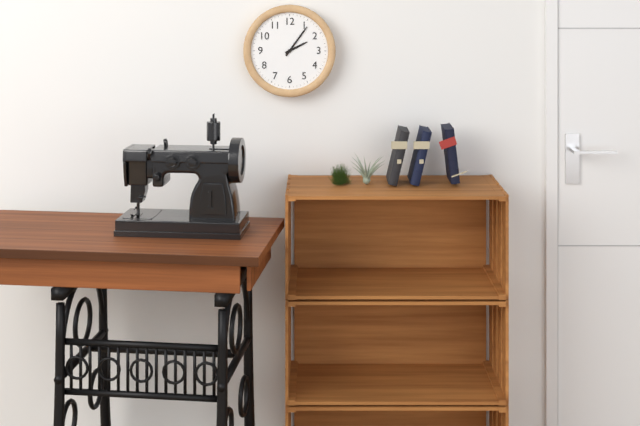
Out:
2 h 06 min
